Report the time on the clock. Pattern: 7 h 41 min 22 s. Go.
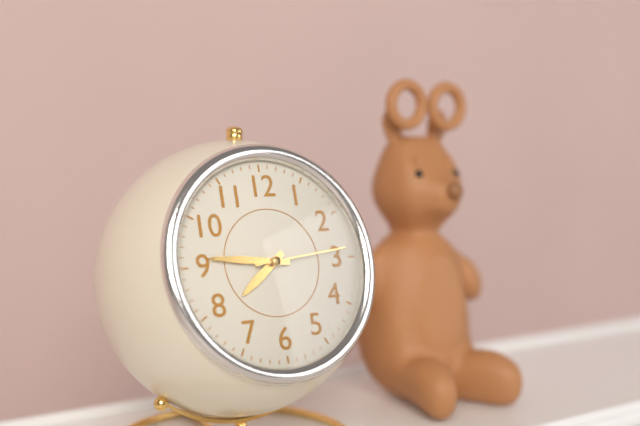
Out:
7 h 46 min 14 s
